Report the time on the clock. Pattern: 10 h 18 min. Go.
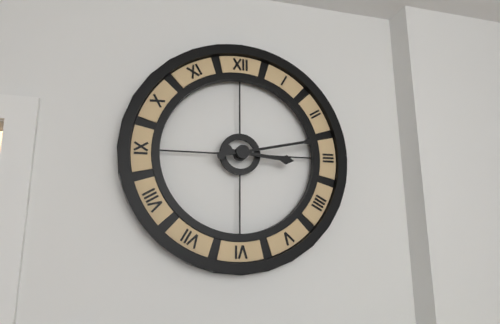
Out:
3 h 13 min
